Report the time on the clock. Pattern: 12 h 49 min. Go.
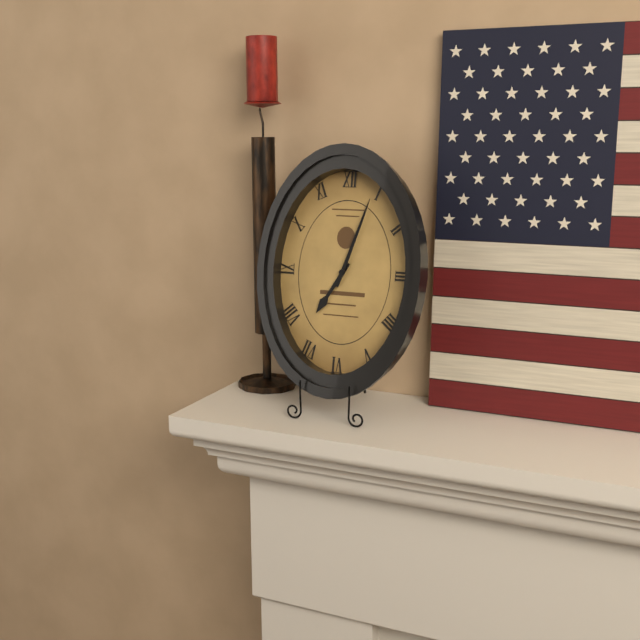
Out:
7 h 03 min
